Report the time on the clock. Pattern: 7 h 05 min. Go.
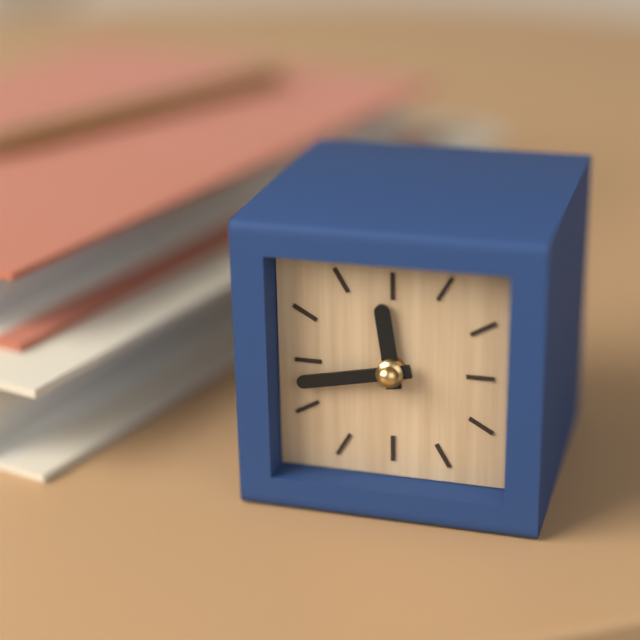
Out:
11 h 43 min
